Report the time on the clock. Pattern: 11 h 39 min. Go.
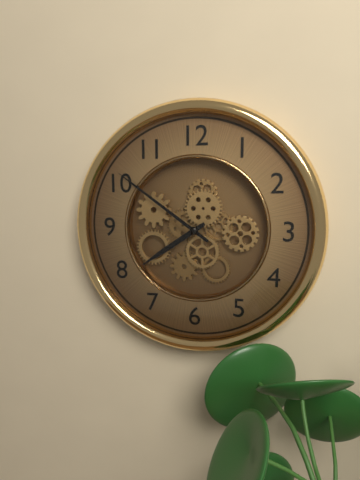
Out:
7 h 51 min
